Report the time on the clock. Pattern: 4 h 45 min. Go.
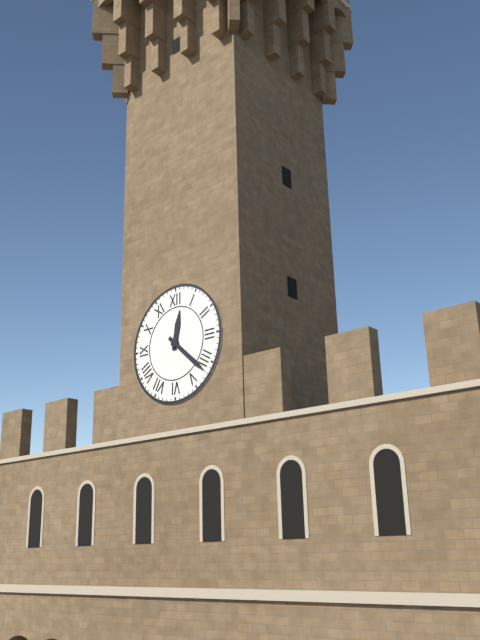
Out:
12 h 22 min
